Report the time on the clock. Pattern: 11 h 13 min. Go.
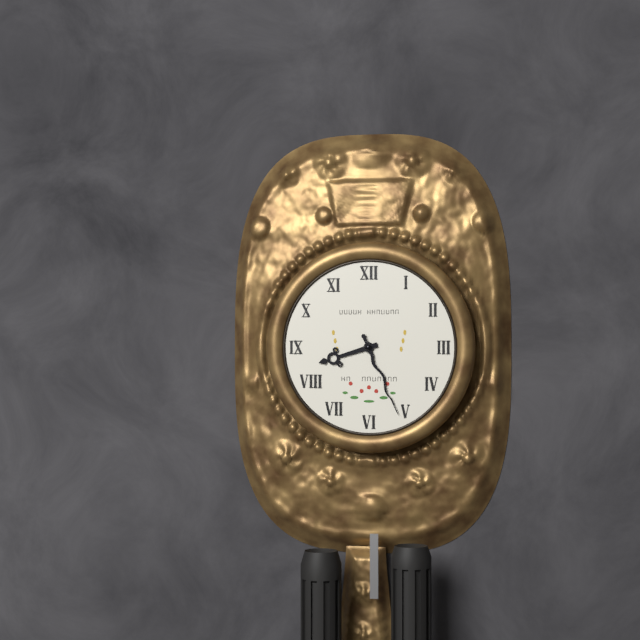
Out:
8 h 26 min
